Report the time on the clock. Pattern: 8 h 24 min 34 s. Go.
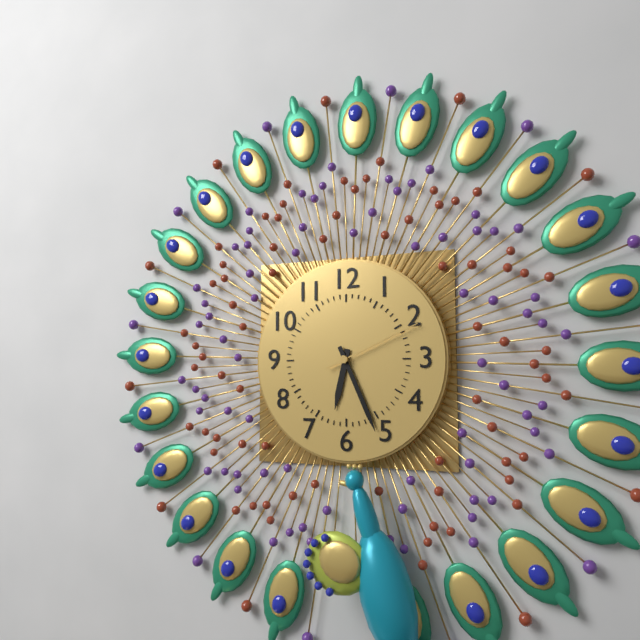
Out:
6 h 26 min 11 s
